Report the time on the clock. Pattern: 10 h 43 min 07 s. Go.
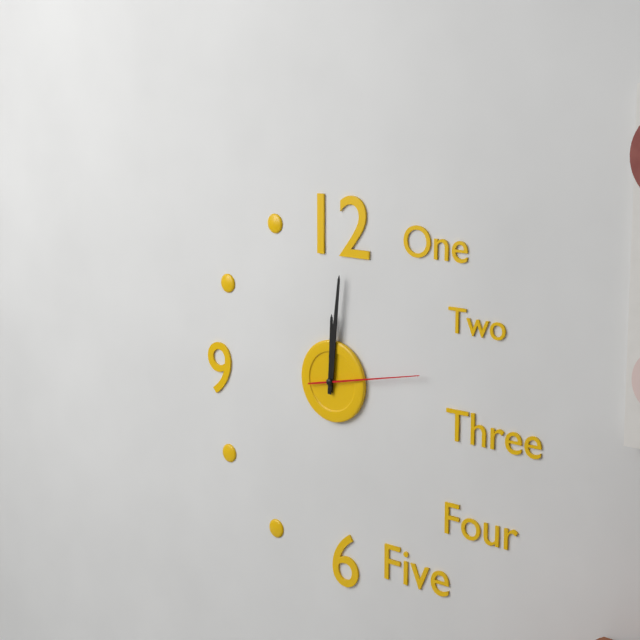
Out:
12 h 01 min 13 s
